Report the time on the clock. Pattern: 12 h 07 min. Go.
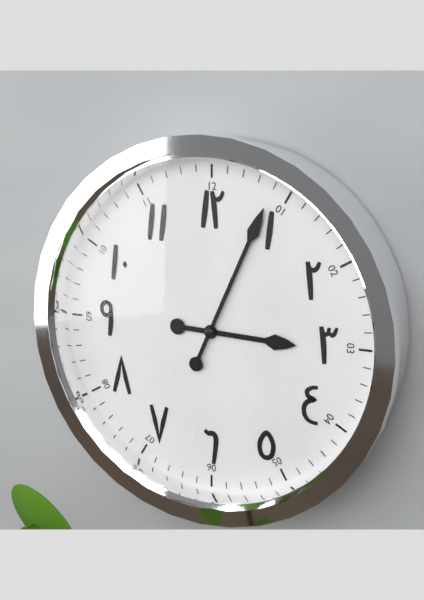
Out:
3 h 04 min
